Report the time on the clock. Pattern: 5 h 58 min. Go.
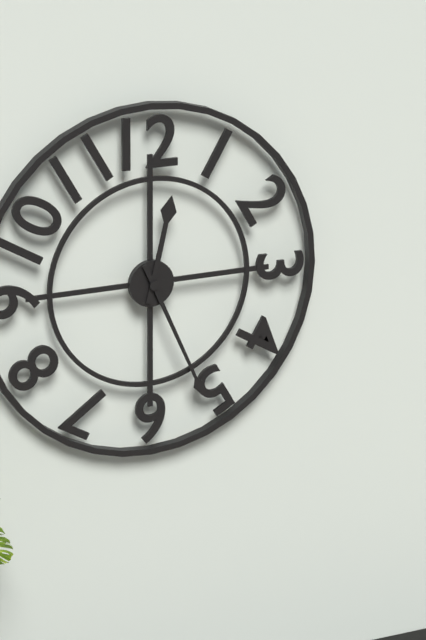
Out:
12 h 26 min
